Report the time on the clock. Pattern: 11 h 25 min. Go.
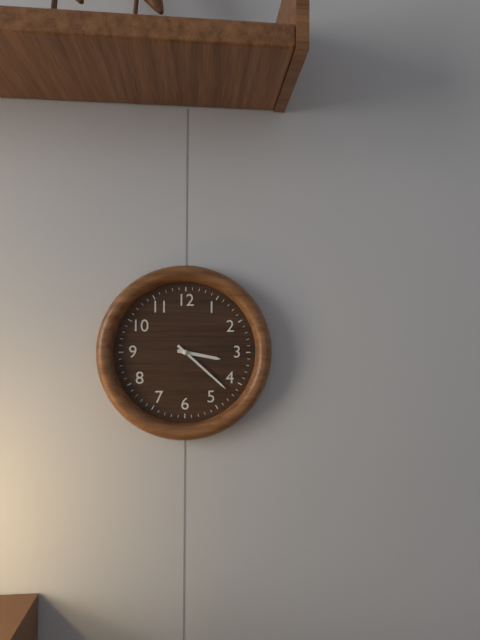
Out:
3 h 22 min
